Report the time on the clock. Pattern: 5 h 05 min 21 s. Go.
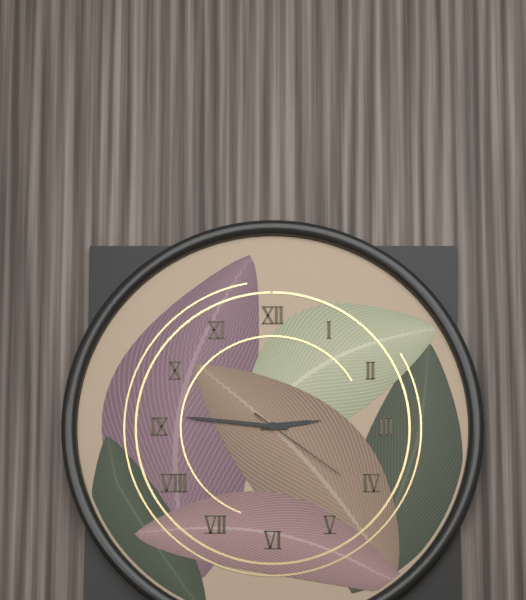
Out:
2 h 46 min 21 s
